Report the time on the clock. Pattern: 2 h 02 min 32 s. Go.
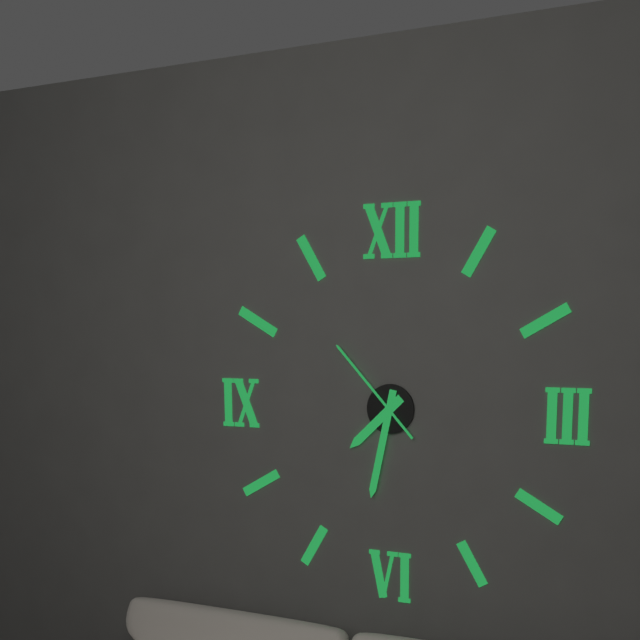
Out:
7 h 32 min 53 s
